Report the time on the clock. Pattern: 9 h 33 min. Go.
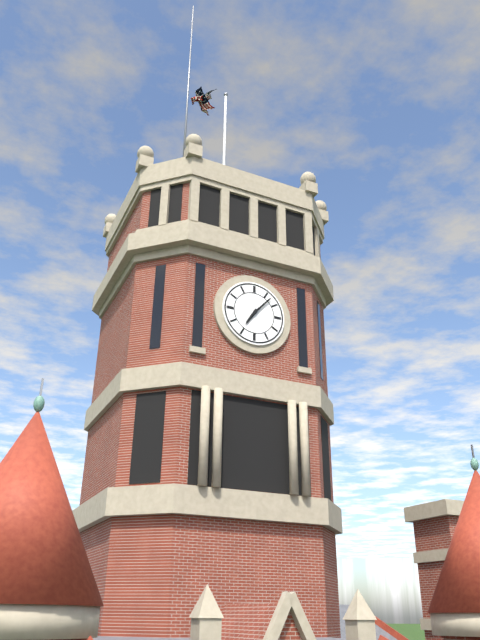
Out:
7 h 07 min
